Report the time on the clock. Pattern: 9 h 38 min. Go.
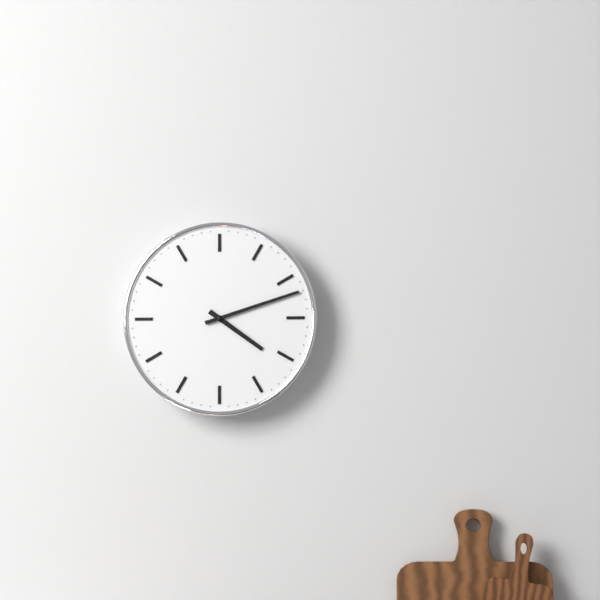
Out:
4 h 12 min
